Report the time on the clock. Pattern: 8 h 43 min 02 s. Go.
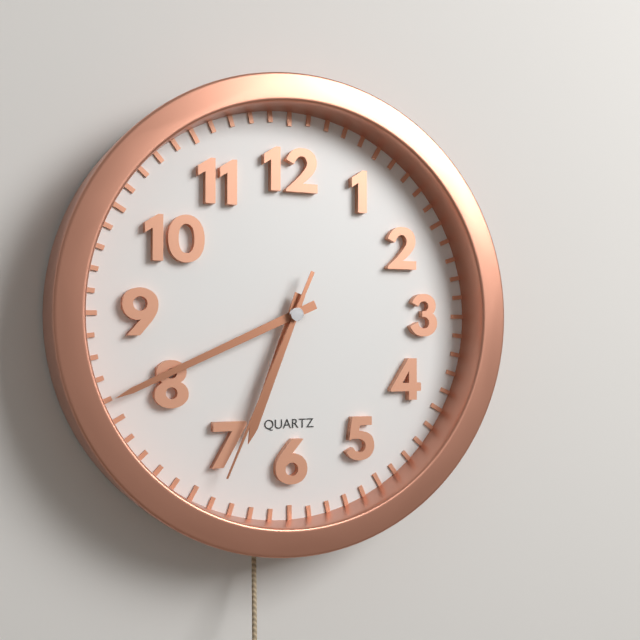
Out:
6 h 41 min 34 s
